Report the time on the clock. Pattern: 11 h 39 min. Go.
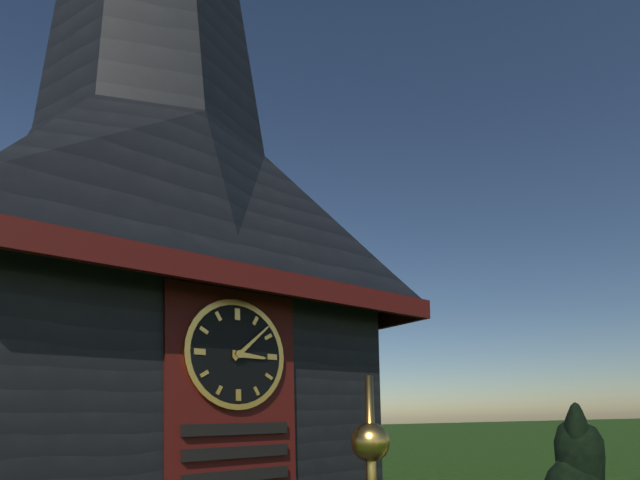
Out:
3 h 08 min
